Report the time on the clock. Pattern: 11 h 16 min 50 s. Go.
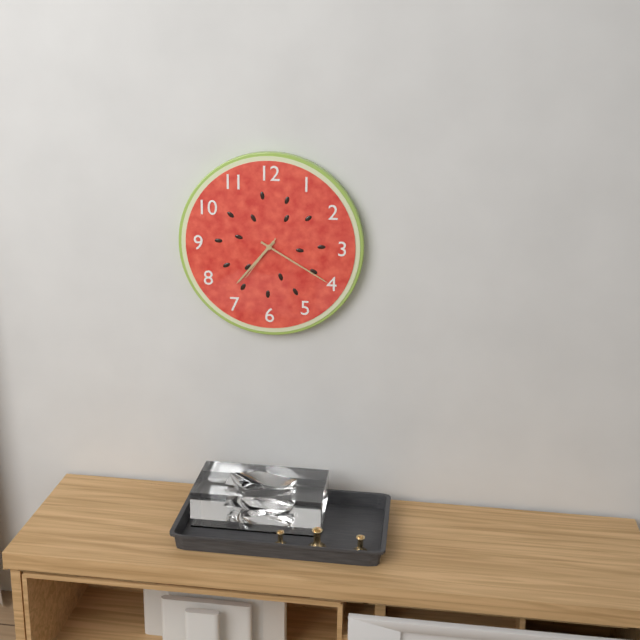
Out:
7 h 20 min 36 s
